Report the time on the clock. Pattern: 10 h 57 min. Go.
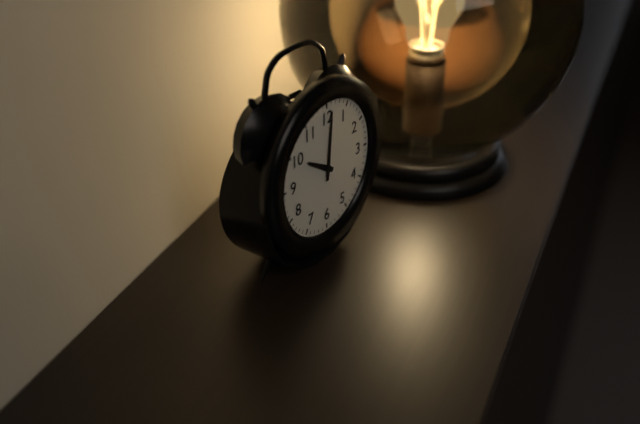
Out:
10 h 01 min
